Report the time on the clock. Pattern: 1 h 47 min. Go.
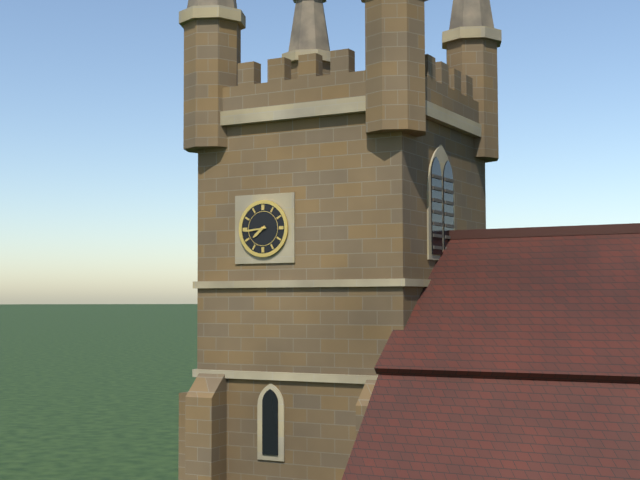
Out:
7 h 44 min
